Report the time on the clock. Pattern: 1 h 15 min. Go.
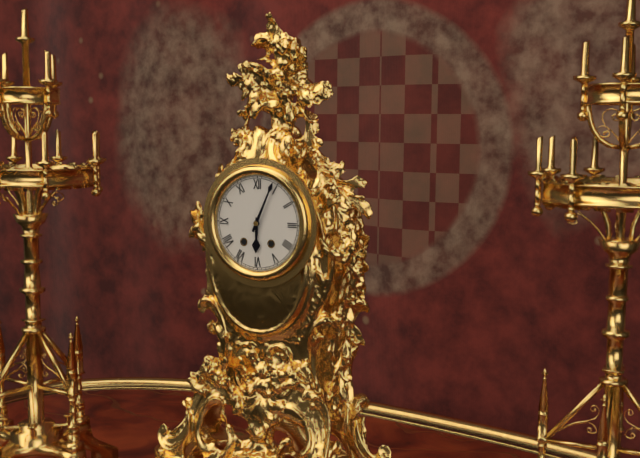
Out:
6 h 04 min
